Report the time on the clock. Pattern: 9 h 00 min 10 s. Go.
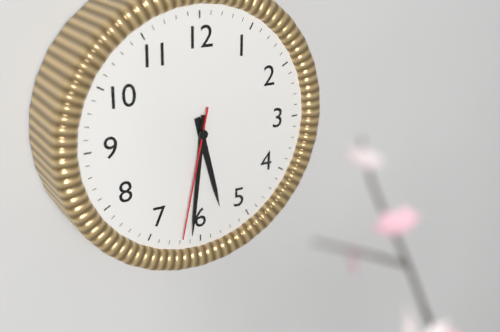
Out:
5 h 31 min 32 s
